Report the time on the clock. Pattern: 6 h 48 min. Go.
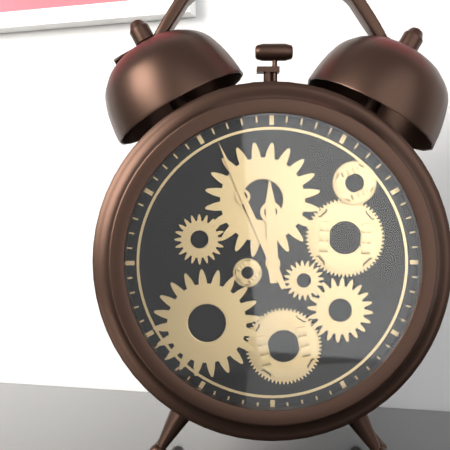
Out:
11 h 56 min
